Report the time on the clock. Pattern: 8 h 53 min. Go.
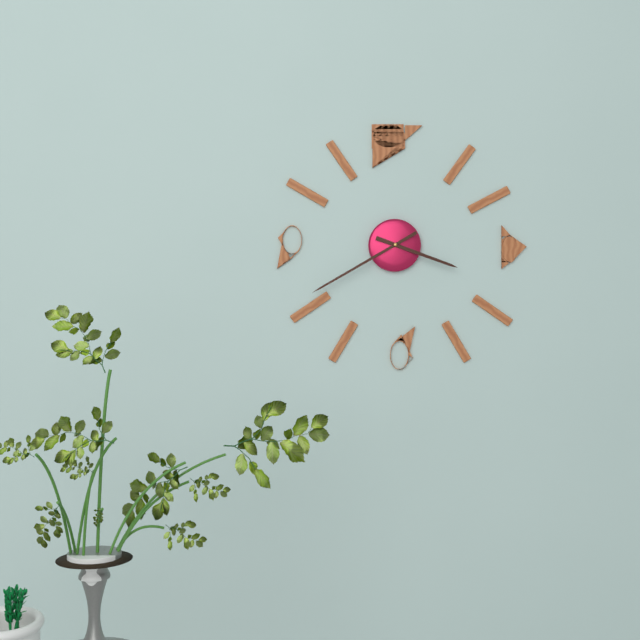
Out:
3 h 40 min
